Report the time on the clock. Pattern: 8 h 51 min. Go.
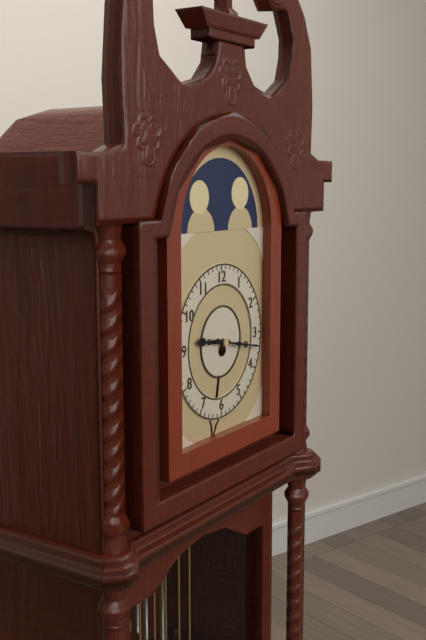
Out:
9 h 17 min
